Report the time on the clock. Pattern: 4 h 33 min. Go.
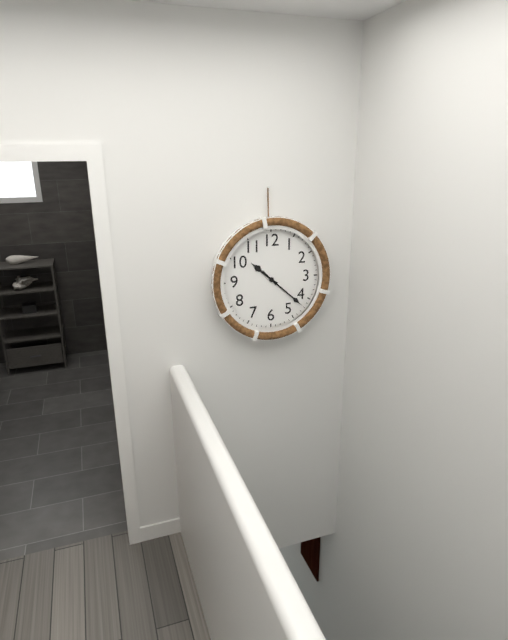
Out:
10 h 22 min
